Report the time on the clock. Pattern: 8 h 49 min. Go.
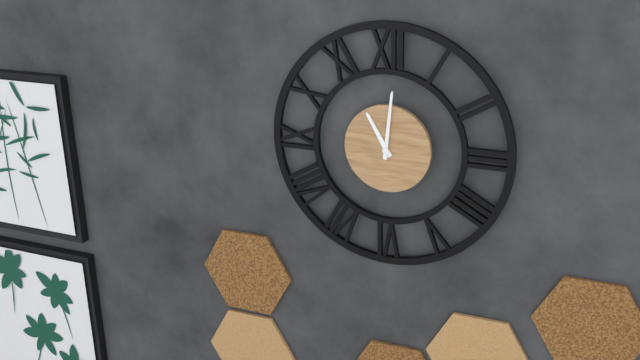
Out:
11 h 01 min
